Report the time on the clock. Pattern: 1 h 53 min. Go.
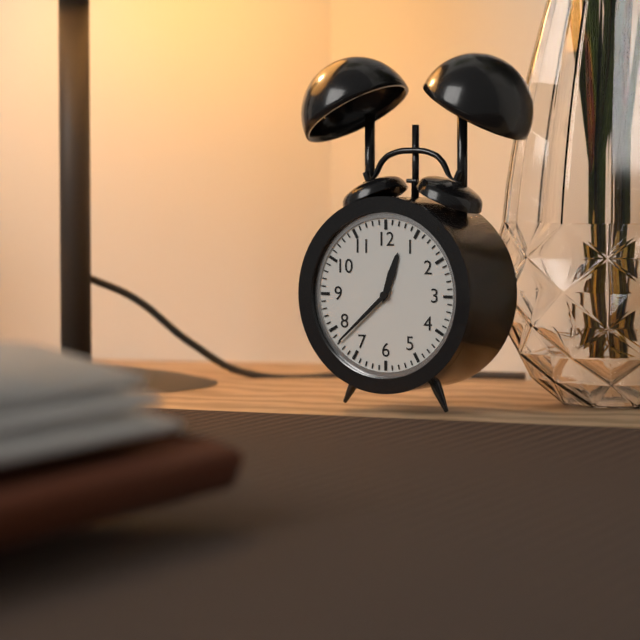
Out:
12 h 38 min
